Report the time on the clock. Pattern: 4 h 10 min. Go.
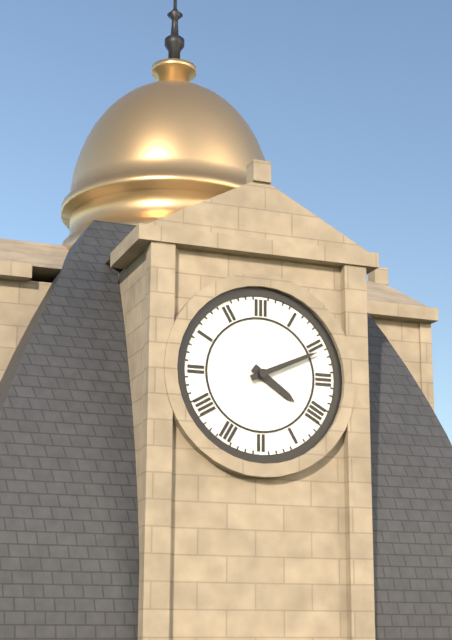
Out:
4 h 11 min
